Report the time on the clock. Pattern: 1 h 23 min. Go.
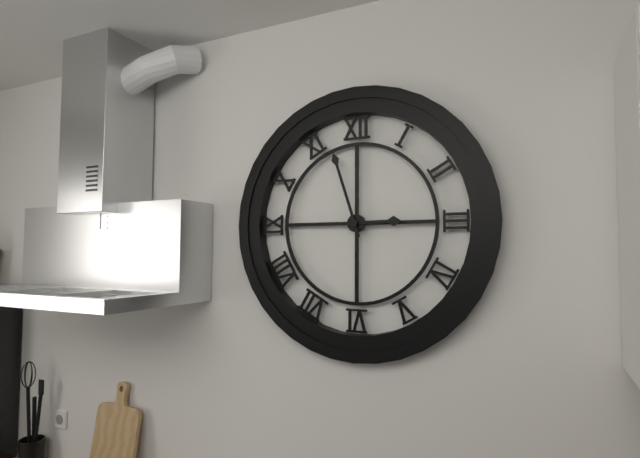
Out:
2 h 57 min
